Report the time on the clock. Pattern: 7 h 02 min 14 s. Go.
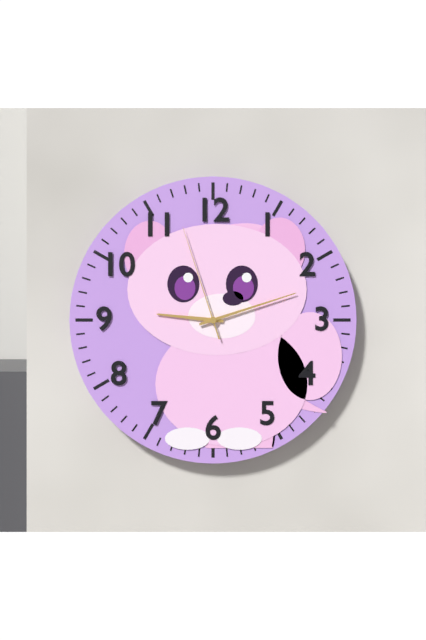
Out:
9 h 12 min 57 s
